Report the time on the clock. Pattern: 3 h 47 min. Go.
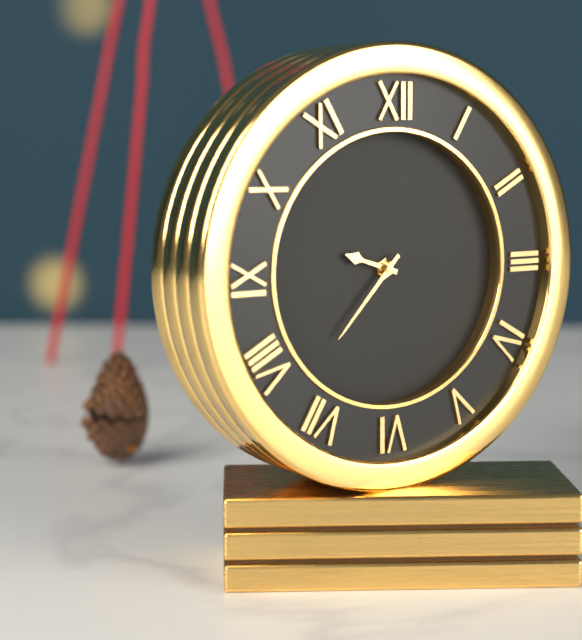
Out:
9 h 37 min
